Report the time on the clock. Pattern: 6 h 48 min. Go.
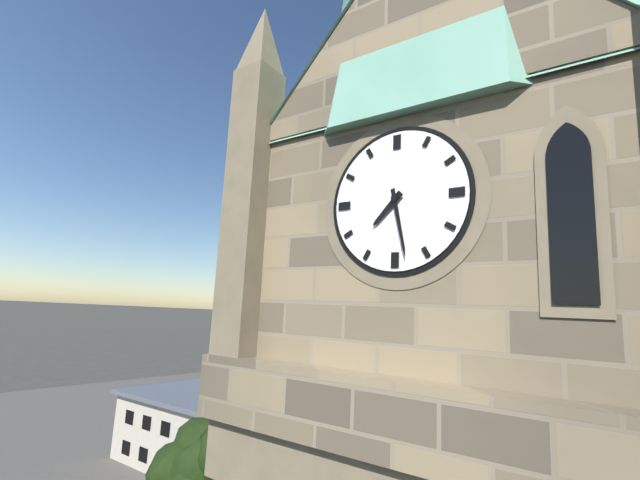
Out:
7 h 28 min
